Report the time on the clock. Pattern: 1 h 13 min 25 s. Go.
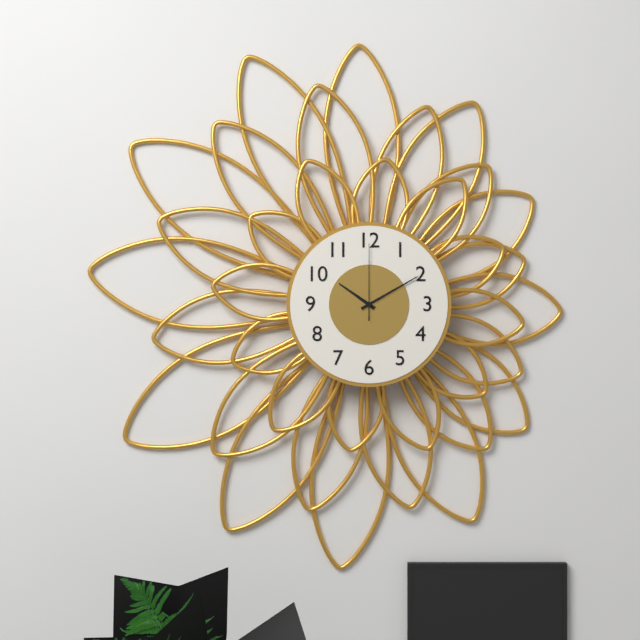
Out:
10 h 10 min 00 s
